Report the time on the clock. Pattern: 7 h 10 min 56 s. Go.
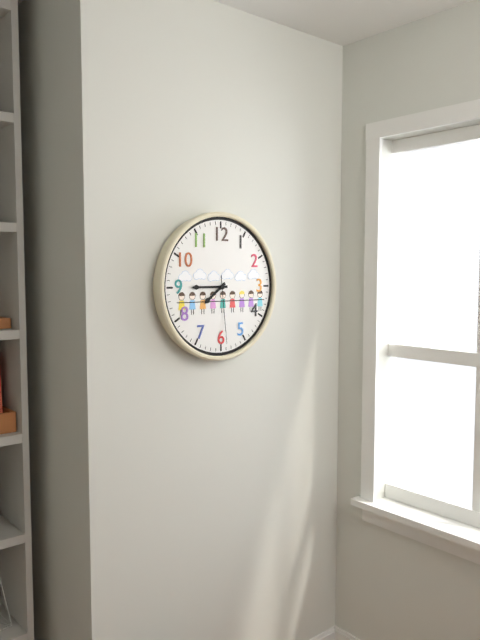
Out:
7 h 45 min 29 s
